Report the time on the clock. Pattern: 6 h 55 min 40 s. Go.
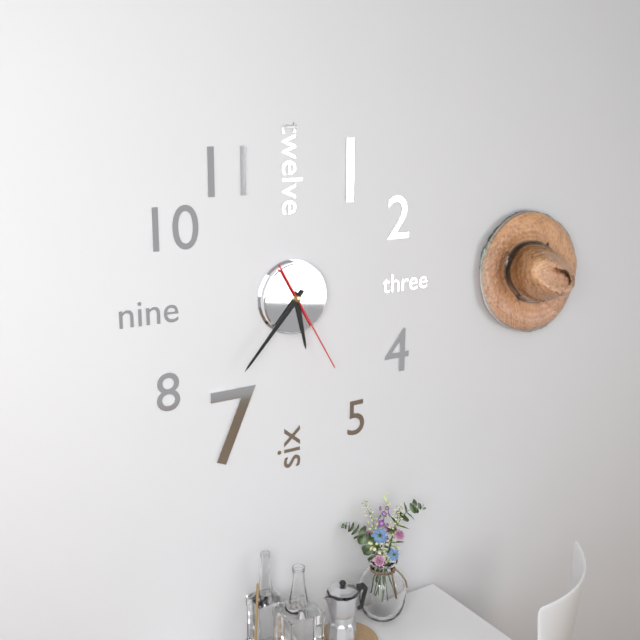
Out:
5 h 37 min 25 s
